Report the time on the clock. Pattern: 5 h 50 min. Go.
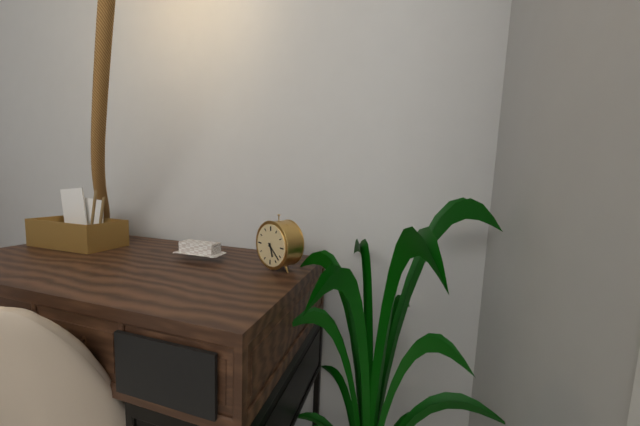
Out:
5 h 22 min
